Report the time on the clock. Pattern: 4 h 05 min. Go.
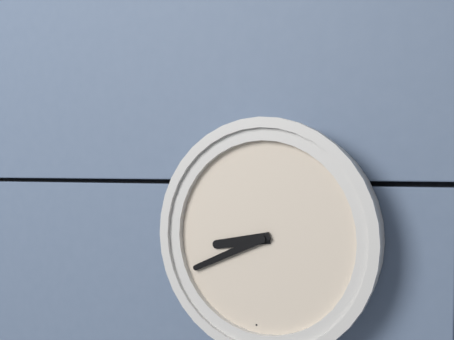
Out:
8 h 41 min
